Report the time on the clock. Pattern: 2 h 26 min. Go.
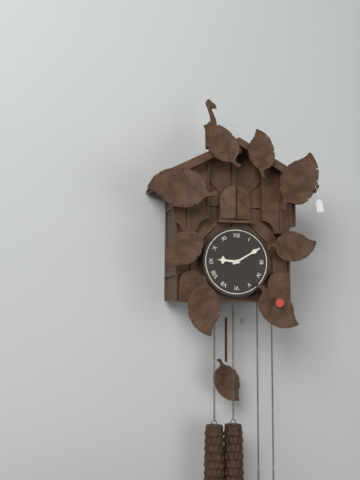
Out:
9 h 10 min
